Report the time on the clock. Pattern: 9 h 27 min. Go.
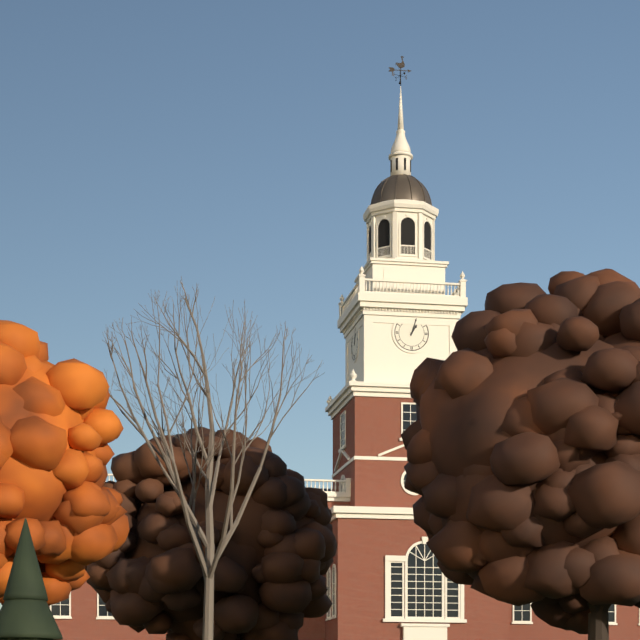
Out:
1 h 03 min
